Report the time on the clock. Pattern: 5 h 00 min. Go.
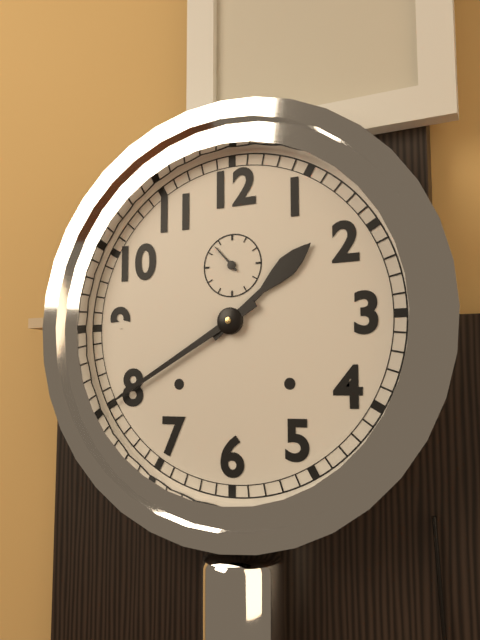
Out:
1 h 40 min
